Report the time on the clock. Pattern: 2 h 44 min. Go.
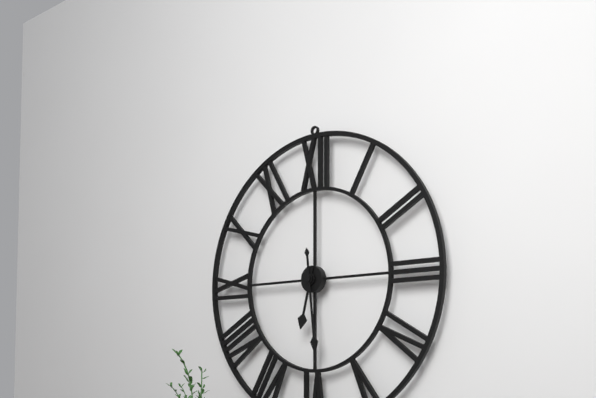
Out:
6 h 29 min
